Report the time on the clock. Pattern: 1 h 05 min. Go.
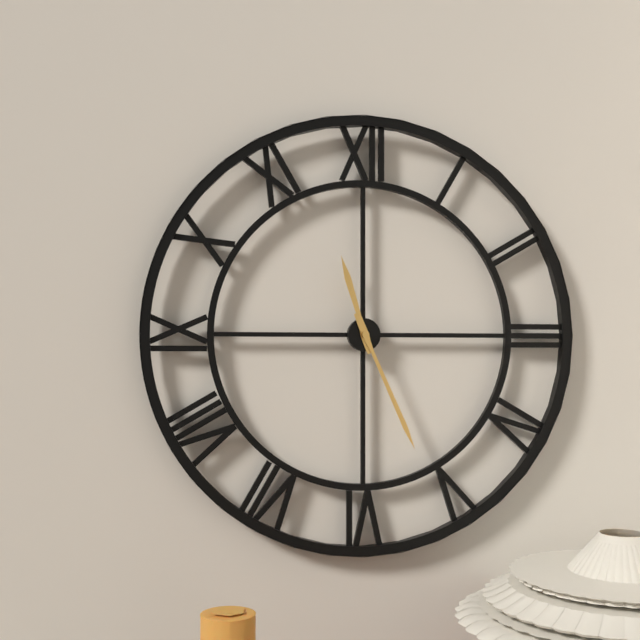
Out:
11 h 26 min
